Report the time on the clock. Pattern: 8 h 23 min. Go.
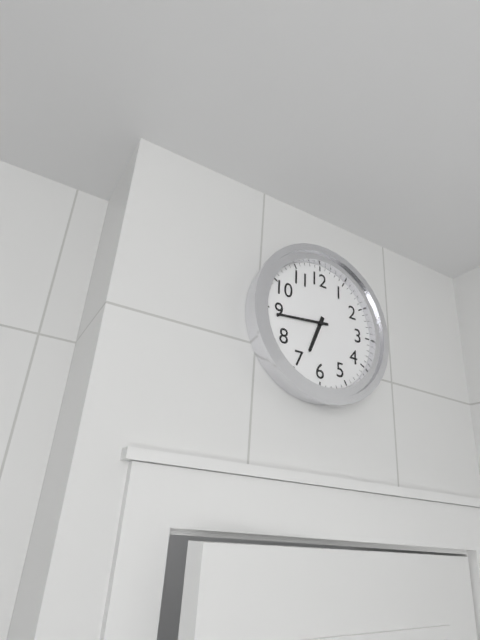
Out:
6 h 44 min
